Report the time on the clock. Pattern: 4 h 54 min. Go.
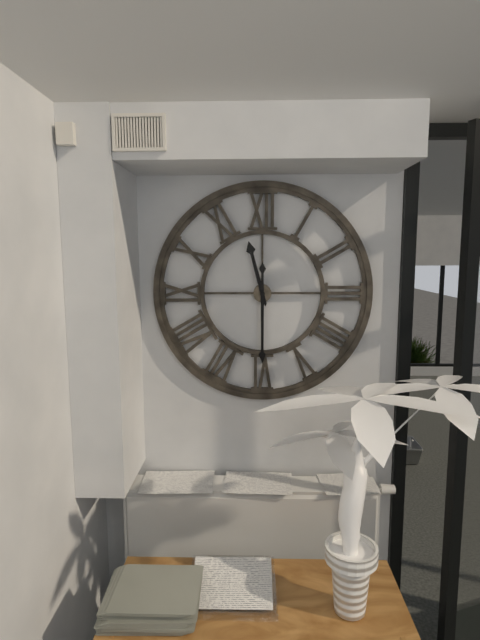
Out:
11 h 30 min
